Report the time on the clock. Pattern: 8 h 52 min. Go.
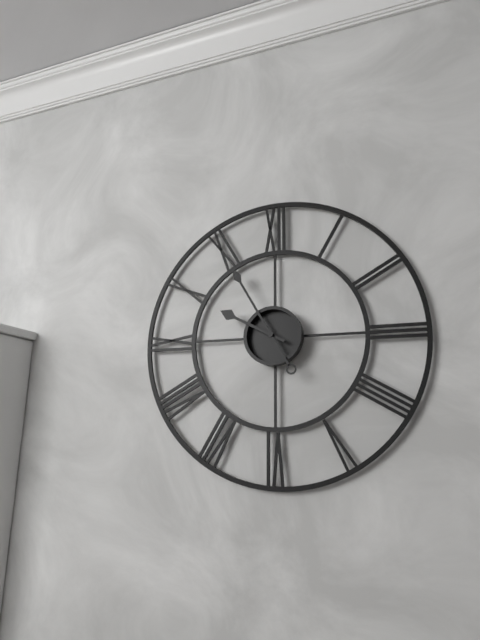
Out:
9 h 55 min
